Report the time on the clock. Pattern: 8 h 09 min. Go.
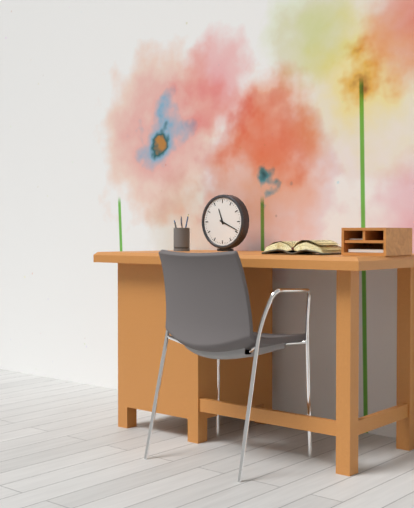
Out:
11 h 19 min
